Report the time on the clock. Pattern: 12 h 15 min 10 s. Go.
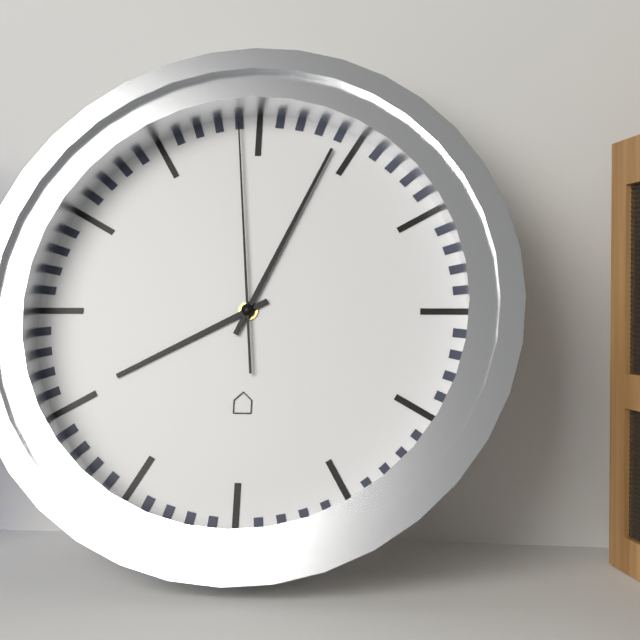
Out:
8 h 04 min 59 s
